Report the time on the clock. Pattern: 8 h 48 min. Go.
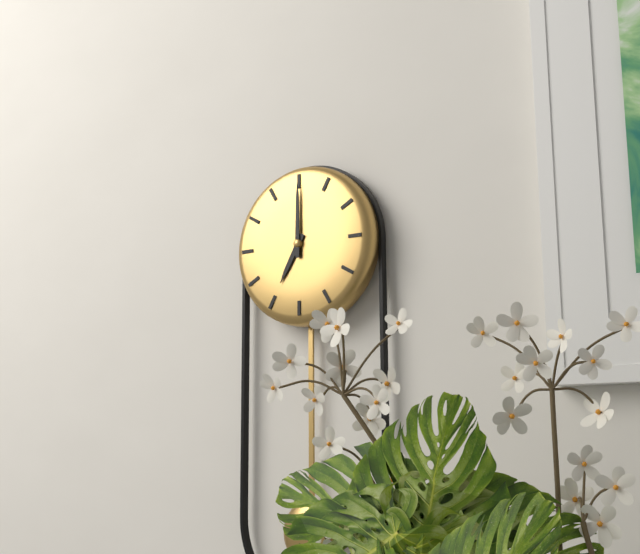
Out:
7 h 00 min
